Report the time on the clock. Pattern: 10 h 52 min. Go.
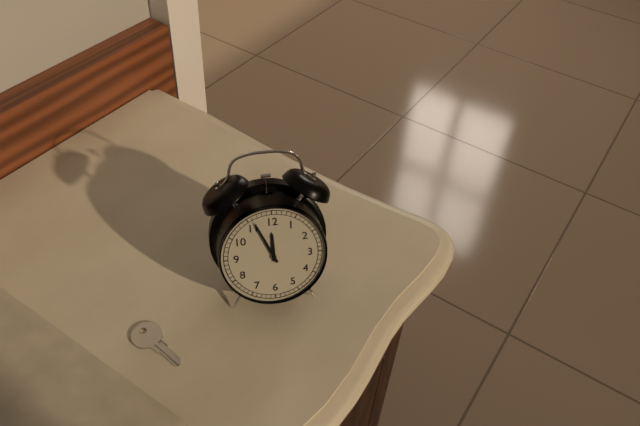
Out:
11 h 56 min
